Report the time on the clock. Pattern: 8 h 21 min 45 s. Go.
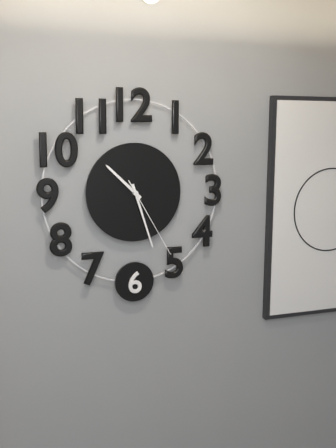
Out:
10 h 27 min 25 s
